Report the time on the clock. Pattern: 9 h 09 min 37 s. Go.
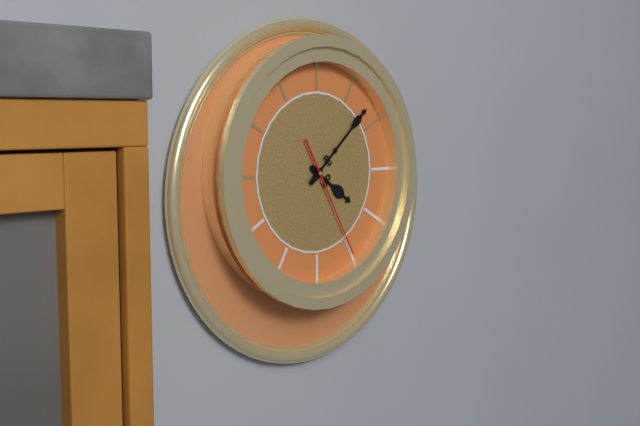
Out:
4 h 08 min 25 s
